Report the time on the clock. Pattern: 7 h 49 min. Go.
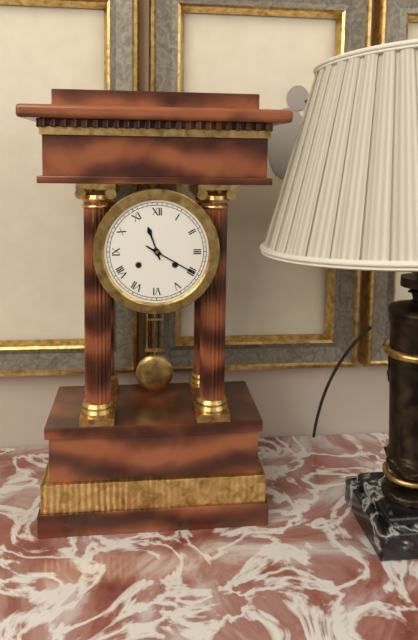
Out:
11 h 20 min
